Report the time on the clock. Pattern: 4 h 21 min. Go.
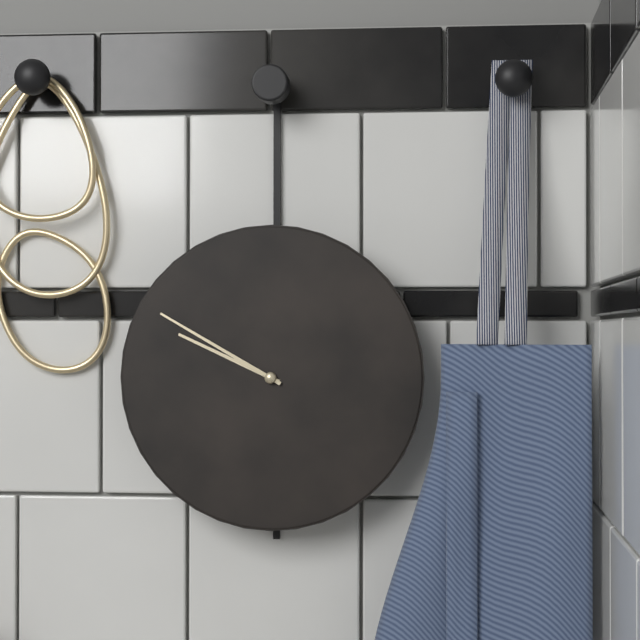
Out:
9 h 50 min
